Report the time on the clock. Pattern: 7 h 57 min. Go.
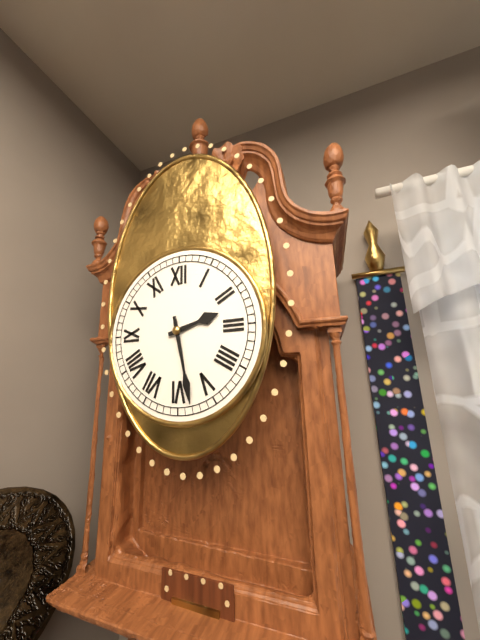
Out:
2 h 28 min
